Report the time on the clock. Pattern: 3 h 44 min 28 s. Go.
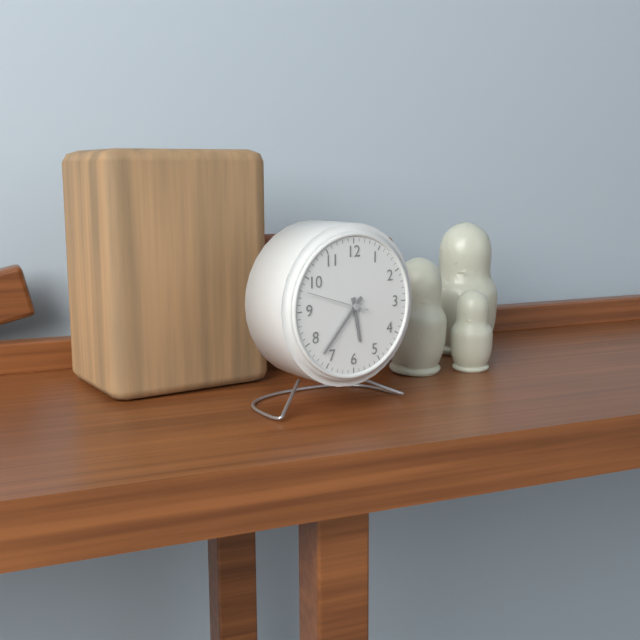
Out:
5 h 37 min 48 s
